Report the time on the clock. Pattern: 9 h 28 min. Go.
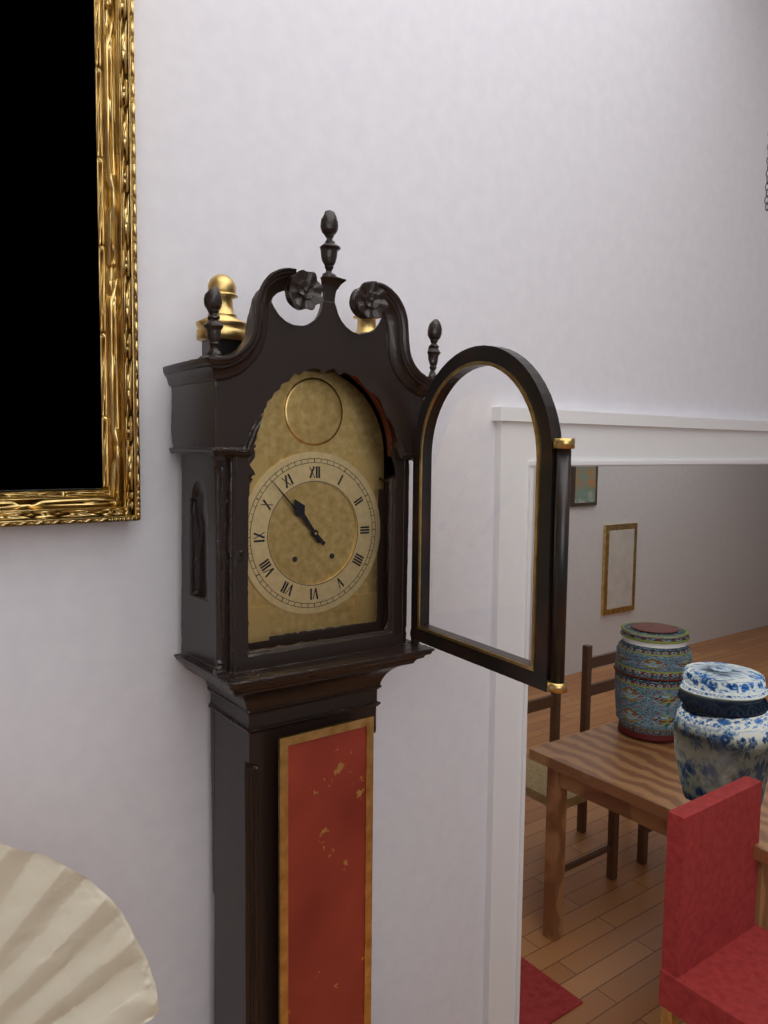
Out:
10 h 53 min
